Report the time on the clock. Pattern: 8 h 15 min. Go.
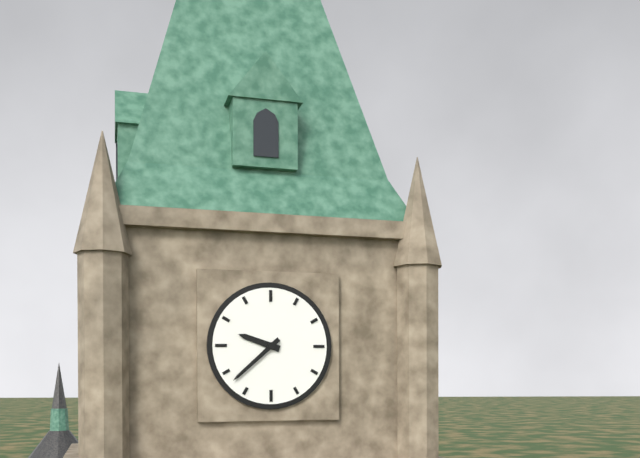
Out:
9 h 38 min
